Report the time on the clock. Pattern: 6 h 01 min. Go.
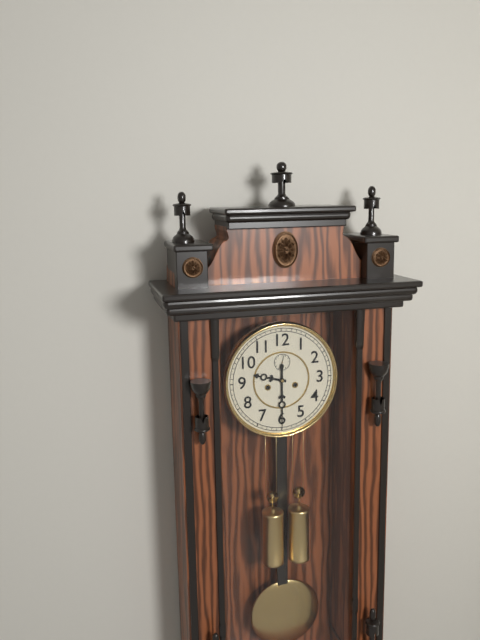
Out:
9 h 30 min
